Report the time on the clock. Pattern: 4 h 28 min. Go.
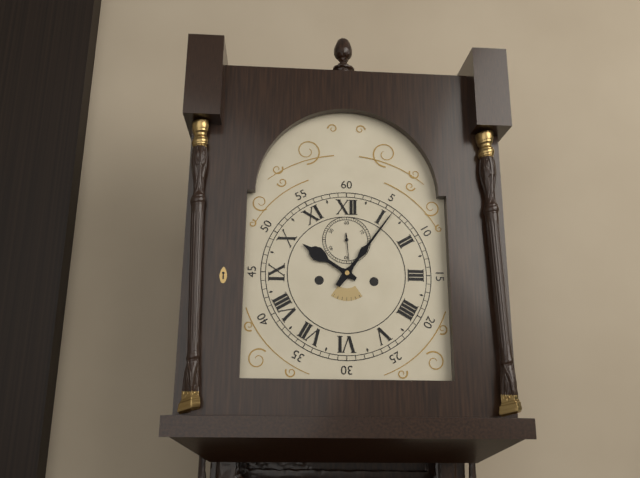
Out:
10 h 06 min
